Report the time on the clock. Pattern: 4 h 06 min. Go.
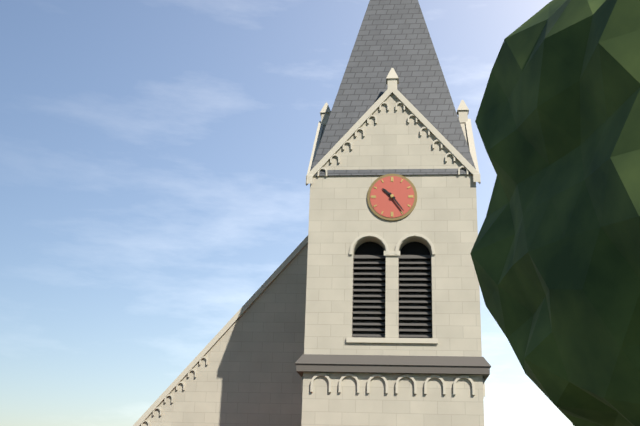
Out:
10 h 24 min
